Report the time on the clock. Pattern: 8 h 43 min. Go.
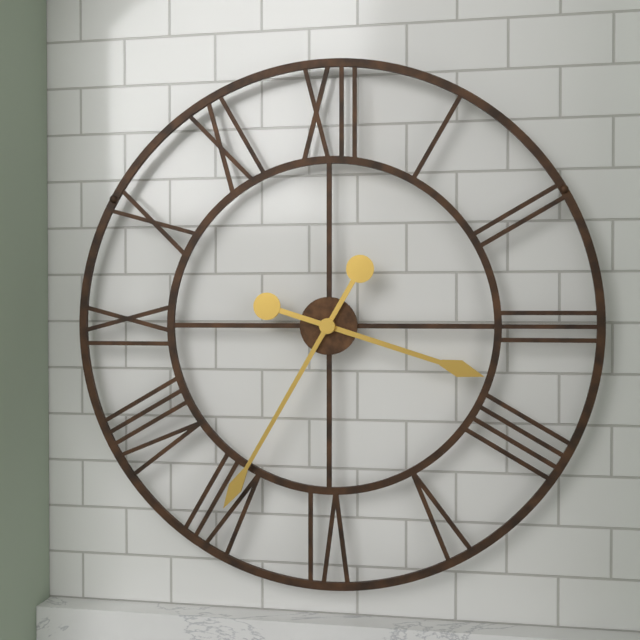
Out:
3 h 35 min
